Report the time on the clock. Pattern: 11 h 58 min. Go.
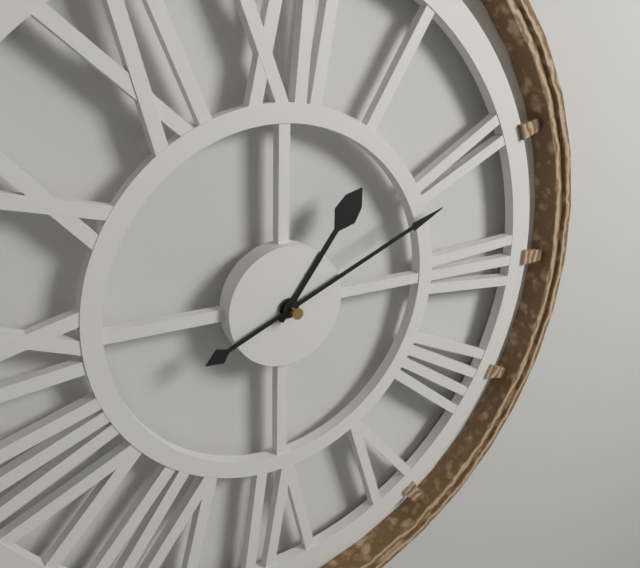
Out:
1 h 11 min
